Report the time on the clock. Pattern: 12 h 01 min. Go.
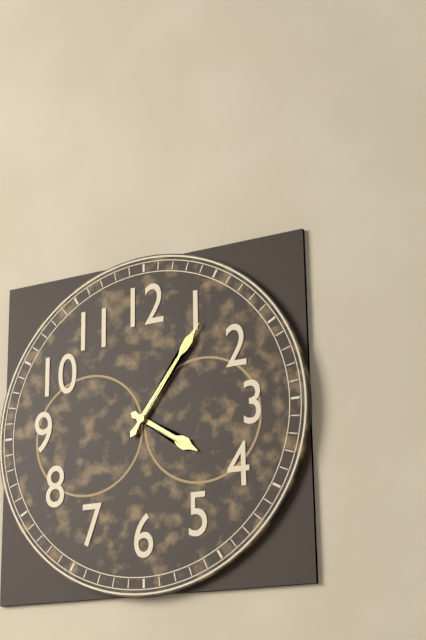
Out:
4 h 06 min
